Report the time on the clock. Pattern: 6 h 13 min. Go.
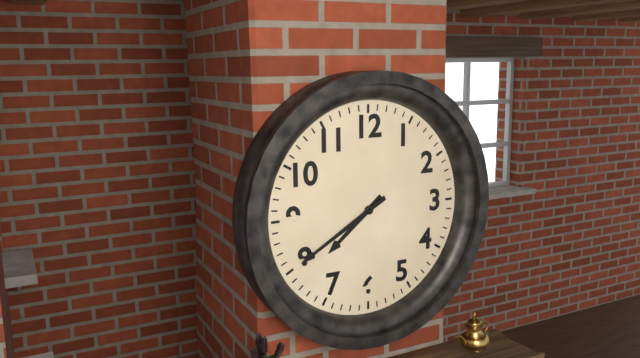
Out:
7 h 40 min
